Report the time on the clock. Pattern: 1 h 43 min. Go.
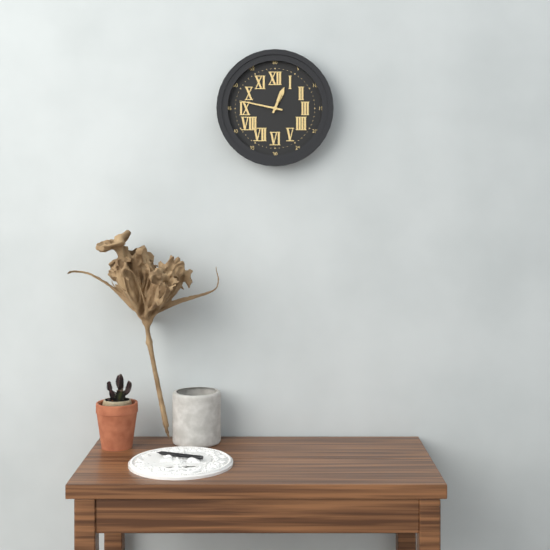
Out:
12 h 47 min
